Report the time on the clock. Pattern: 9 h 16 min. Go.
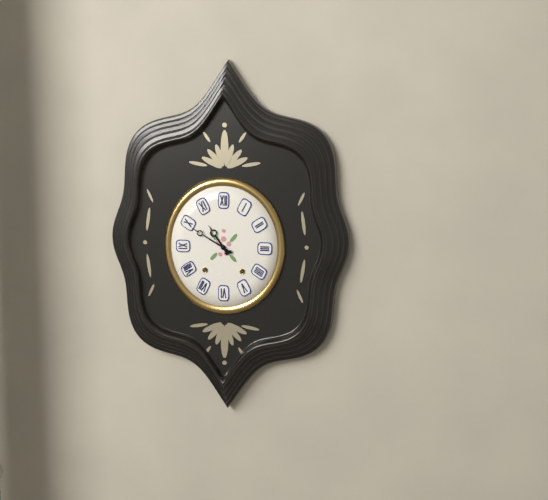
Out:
10 h 50 min
